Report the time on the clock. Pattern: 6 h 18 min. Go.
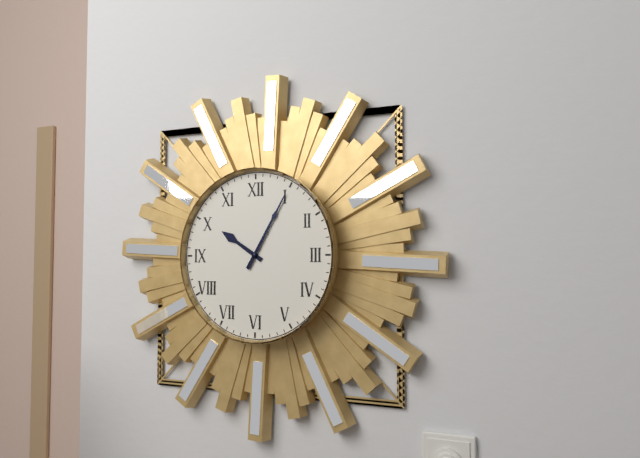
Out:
10 h 05 min
